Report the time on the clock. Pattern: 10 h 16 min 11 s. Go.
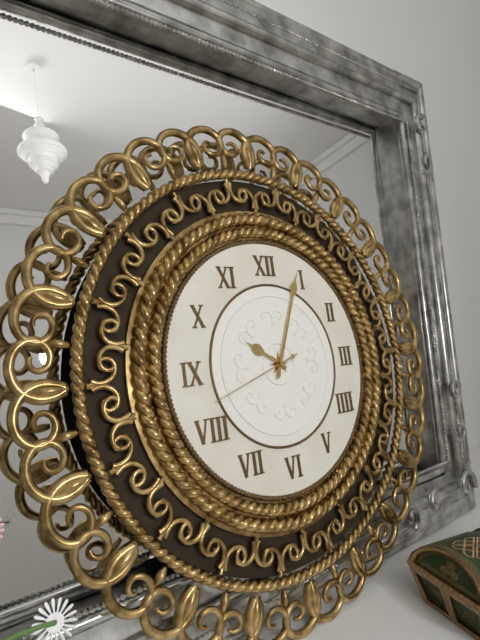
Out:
10 h 04 min 42 s
